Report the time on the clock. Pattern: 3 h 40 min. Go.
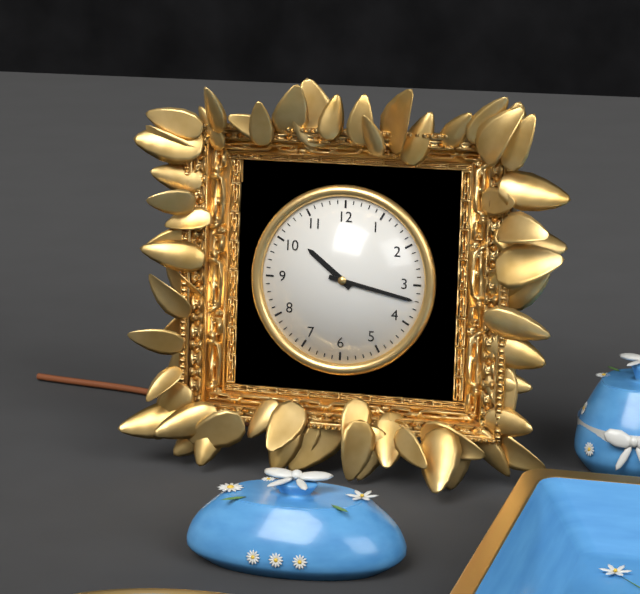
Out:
10 h 17 min
